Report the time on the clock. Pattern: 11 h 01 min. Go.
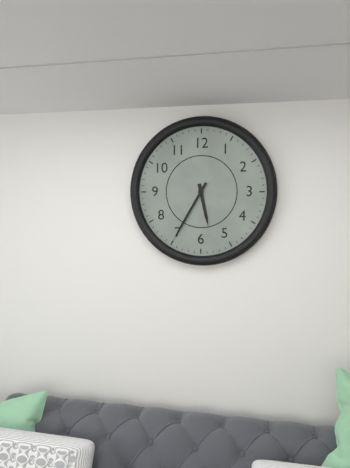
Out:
5 h 35 min
